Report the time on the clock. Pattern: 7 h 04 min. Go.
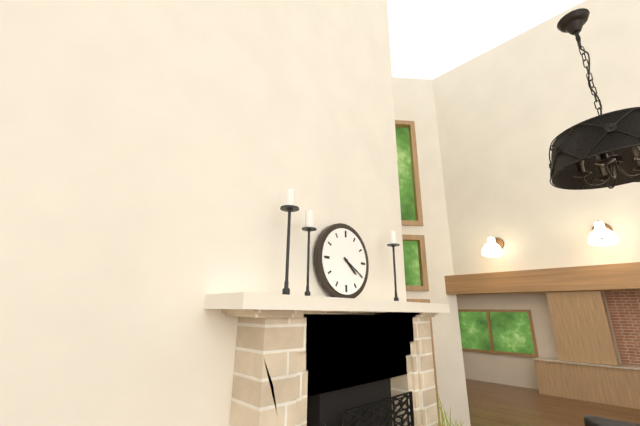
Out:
4 h 20 min
